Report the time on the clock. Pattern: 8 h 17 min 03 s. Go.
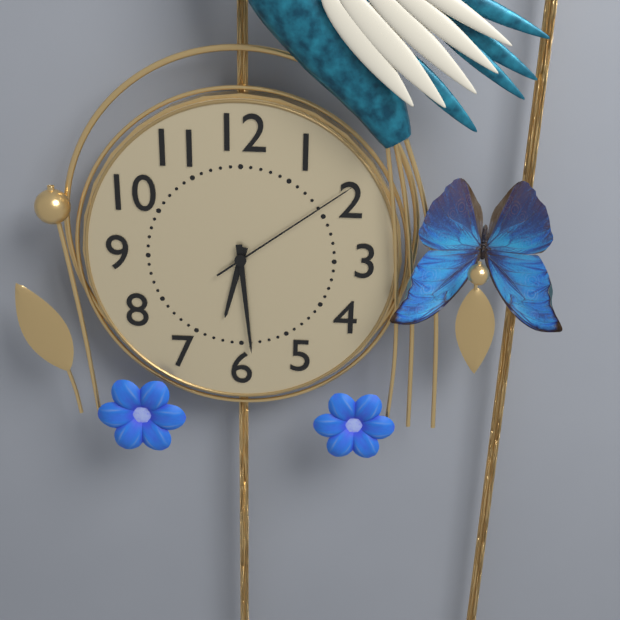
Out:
6 h 29 min 09 s
